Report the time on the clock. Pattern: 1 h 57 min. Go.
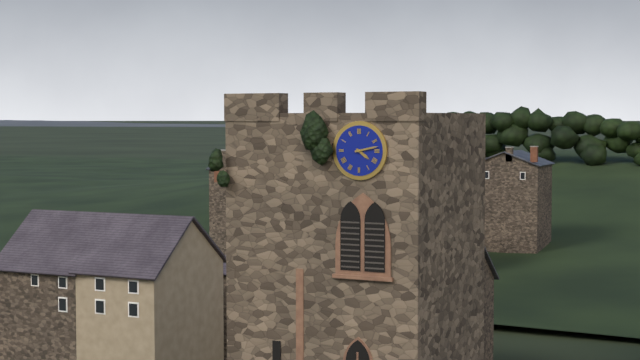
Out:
4 h 13 min
